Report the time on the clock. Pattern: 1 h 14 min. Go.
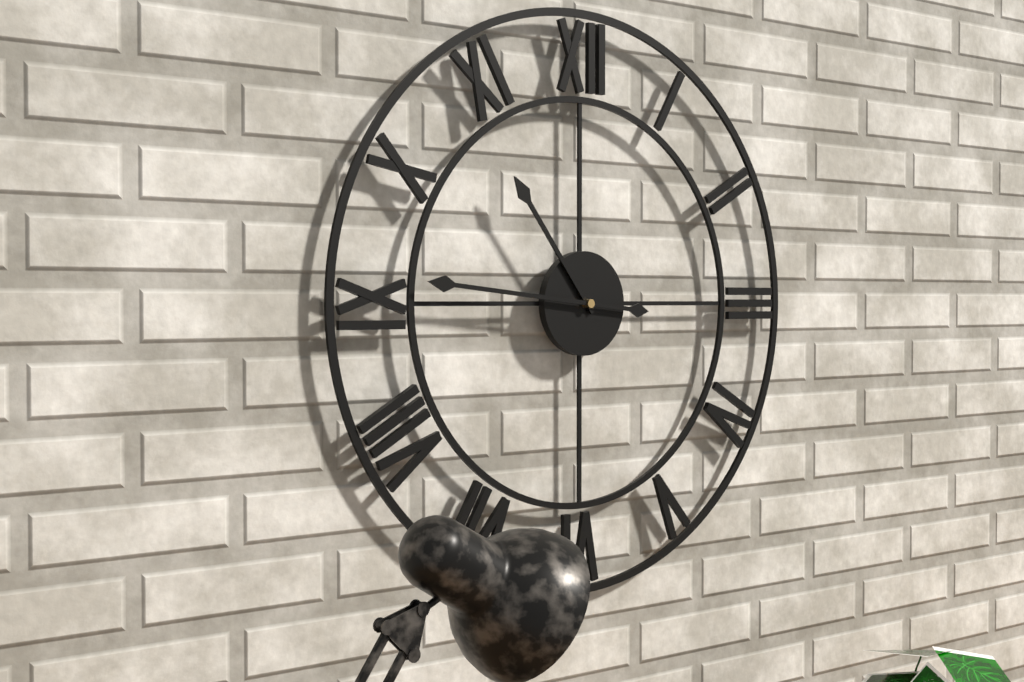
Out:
10 h 46 min
